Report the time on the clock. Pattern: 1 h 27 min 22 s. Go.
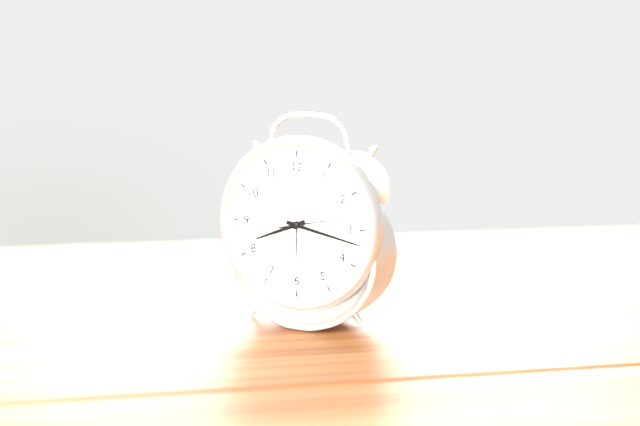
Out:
8 h 17 min 13 s
